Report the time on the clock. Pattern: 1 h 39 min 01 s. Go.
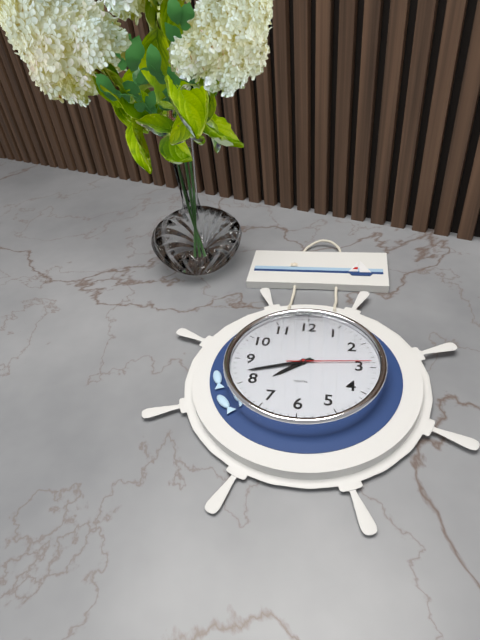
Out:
7 h 42 min 14 s
